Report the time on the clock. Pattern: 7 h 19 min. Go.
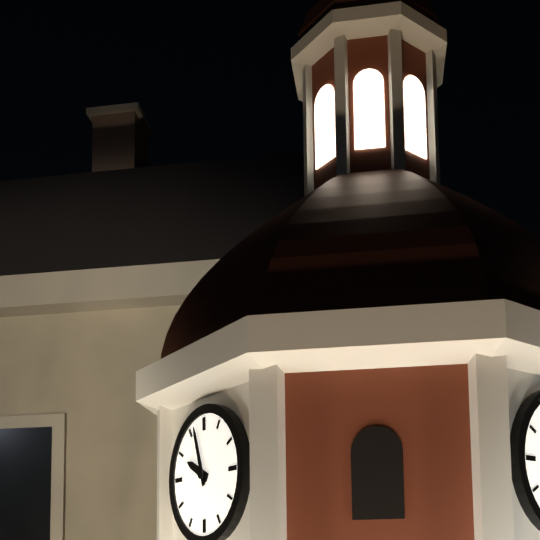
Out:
9 h 57 min
